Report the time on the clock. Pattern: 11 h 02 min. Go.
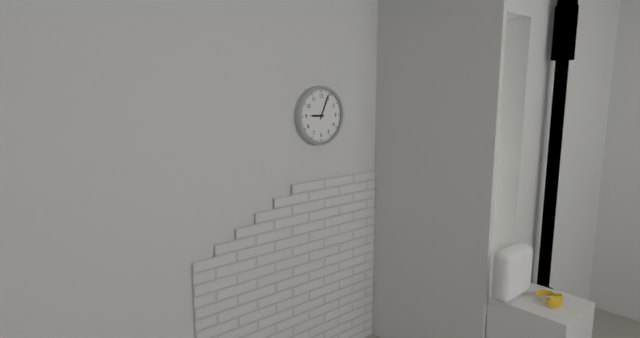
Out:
9 h 04 min
